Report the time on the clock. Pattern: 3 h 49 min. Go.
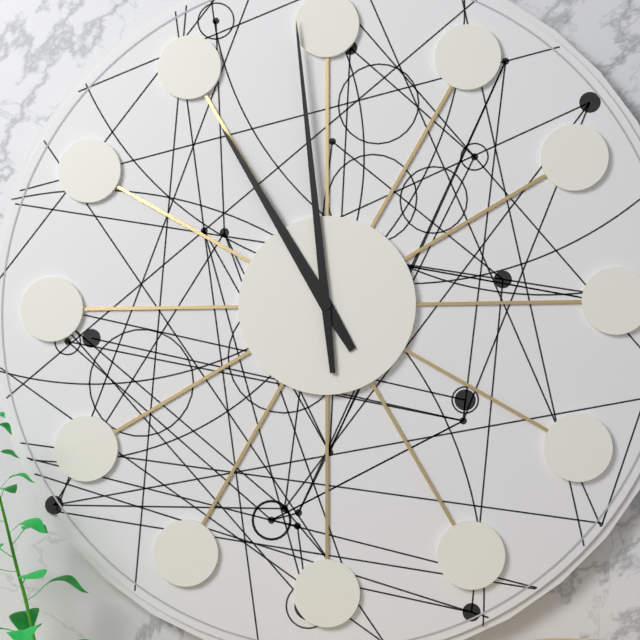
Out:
10 h 59 min
